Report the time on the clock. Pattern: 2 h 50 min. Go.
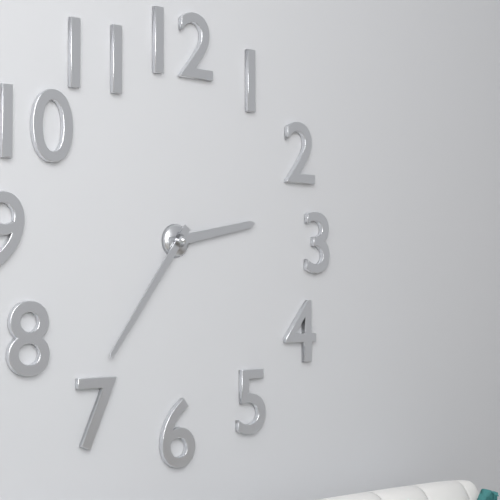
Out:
2 h 36 min
